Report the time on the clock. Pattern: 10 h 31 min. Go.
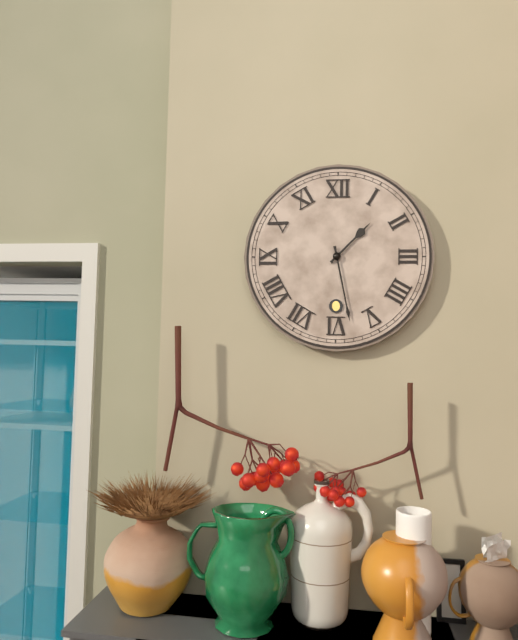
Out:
1 h 28 min
